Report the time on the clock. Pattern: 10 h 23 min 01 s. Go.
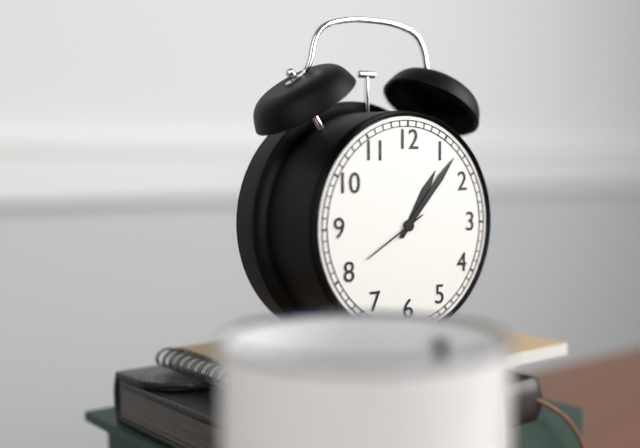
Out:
1 h 07 min 40 s
